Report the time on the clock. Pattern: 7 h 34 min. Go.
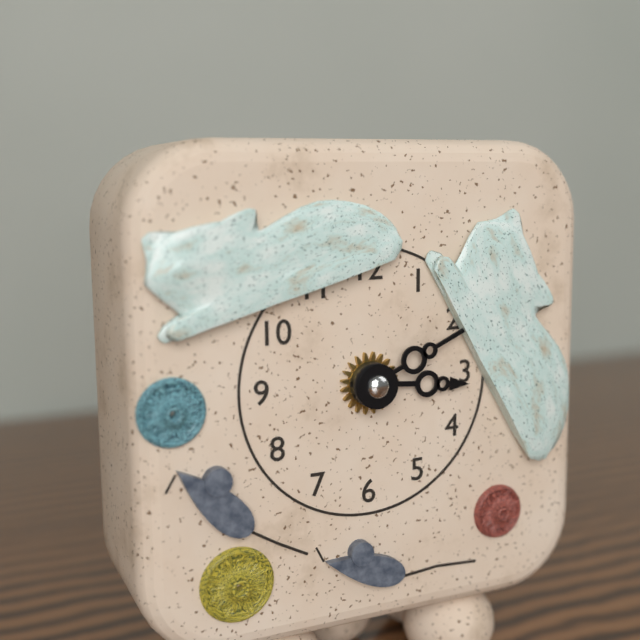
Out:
3 h 11 min
